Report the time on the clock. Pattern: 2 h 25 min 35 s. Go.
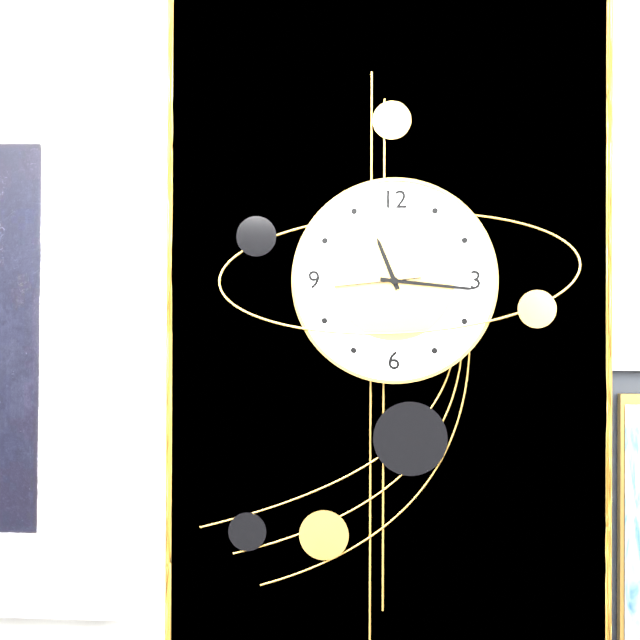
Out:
11 h 16 min 44 s
